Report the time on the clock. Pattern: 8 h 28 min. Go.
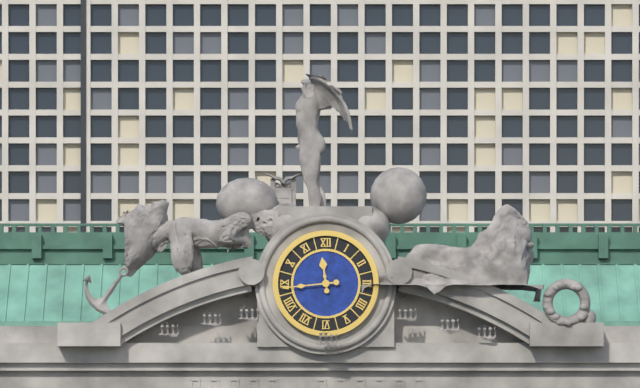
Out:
11 h 44 min
